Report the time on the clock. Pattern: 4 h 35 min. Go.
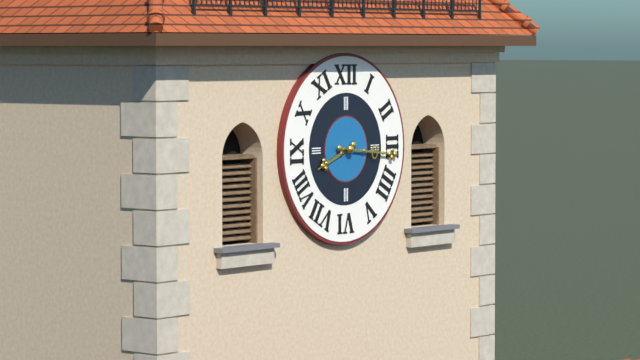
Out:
8 h 16 min
